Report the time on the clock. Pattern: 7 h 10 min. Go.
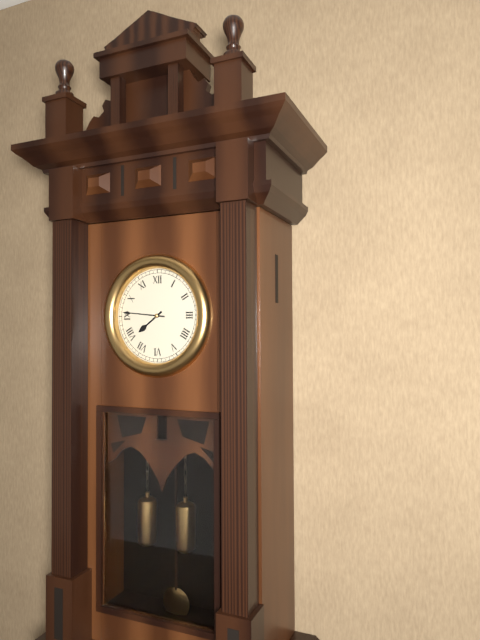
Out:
7 h 46 min
